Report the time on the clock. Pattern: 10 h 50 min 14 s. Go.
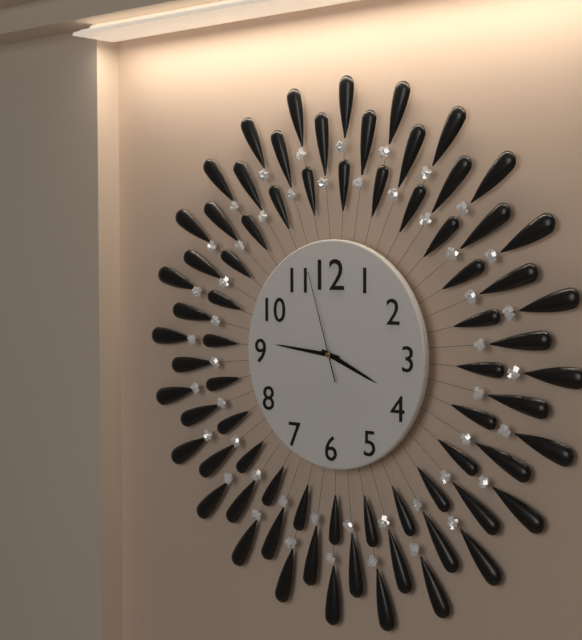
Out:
3 h 46 min 57 s
